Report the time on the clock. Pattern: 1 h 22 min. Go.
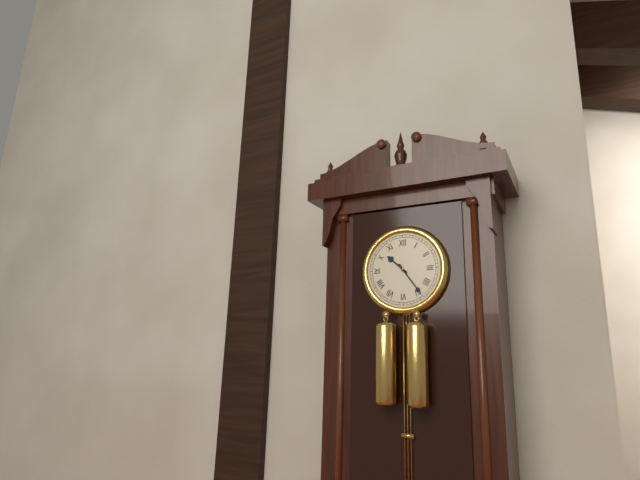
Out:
10 h 24 min
